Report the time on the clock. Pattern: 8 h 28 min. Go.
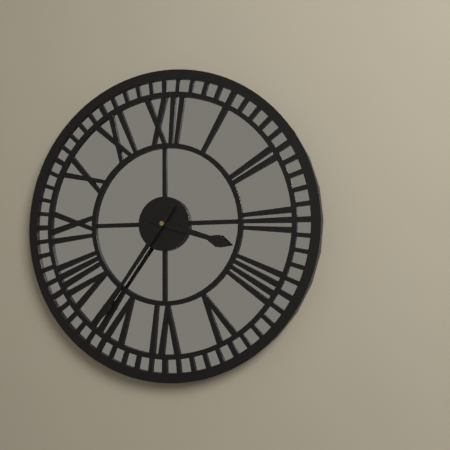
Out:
3 h 36 min
